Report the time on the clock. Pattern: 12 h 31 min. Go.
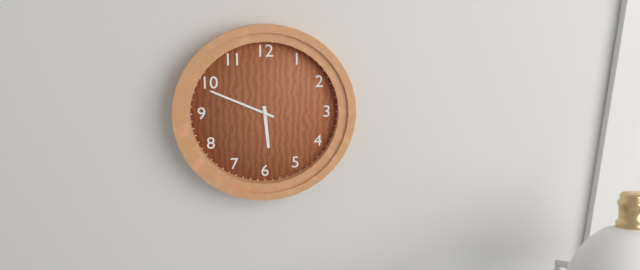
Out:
5 h 49 min
